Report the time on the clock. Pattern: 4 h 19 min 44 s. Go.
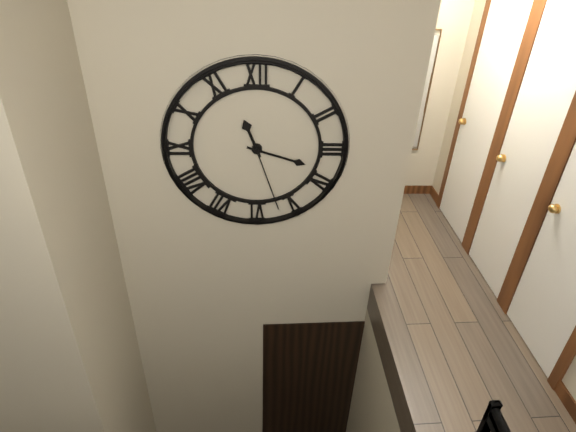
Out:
11 h 18 min 27 s
